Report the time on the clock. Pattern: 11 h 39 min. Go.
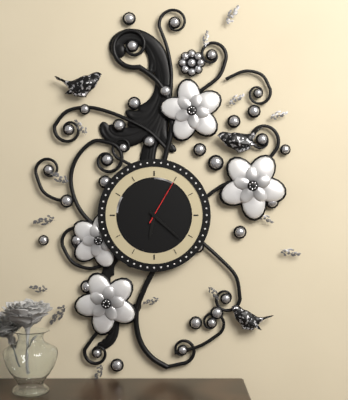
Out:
6 h 22 min
